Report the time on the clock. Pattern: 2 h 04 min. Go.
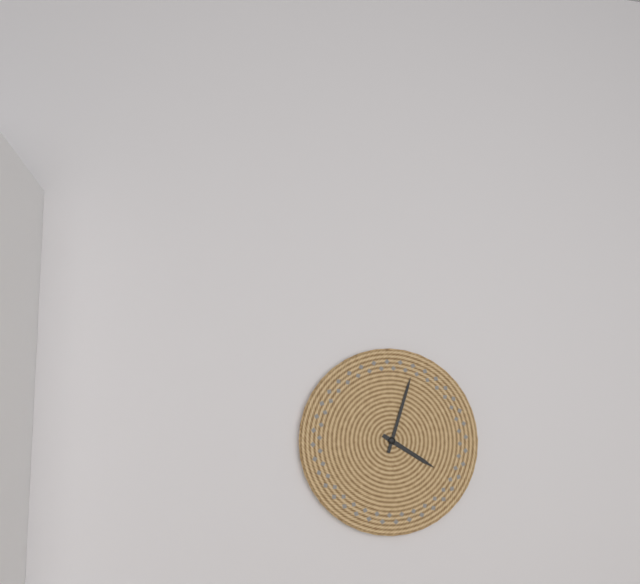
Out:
4 h 03 min
